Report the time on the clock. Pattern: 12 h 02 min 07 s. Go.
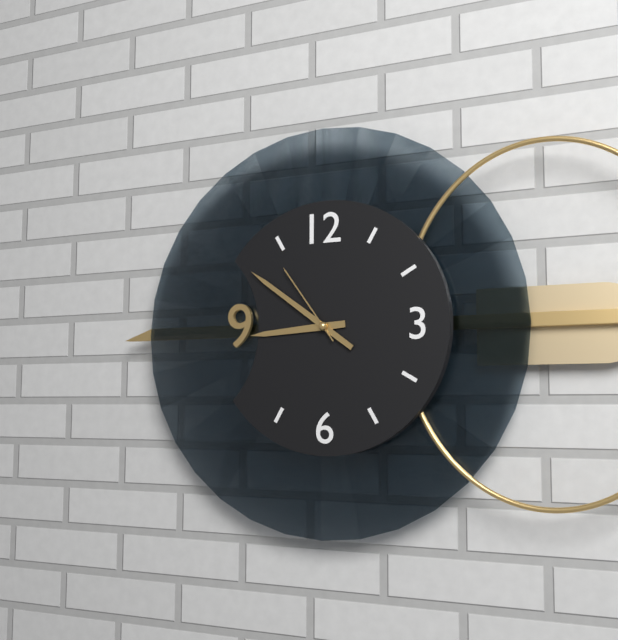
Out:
8 h 51 min 54 s
